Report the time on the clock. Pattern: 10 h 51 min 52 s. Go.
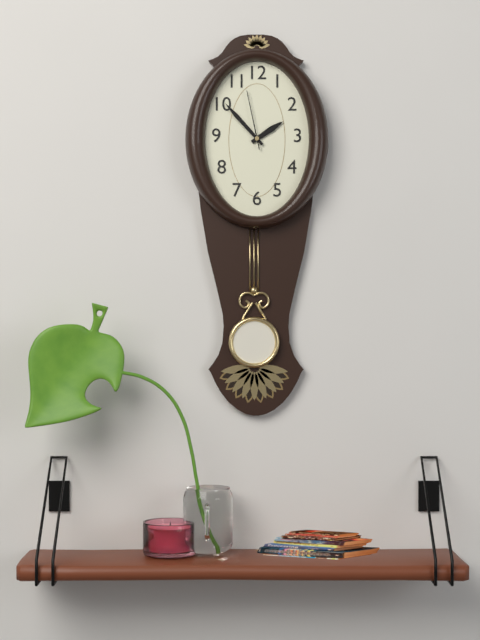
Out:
1 h 53 min 58 s
